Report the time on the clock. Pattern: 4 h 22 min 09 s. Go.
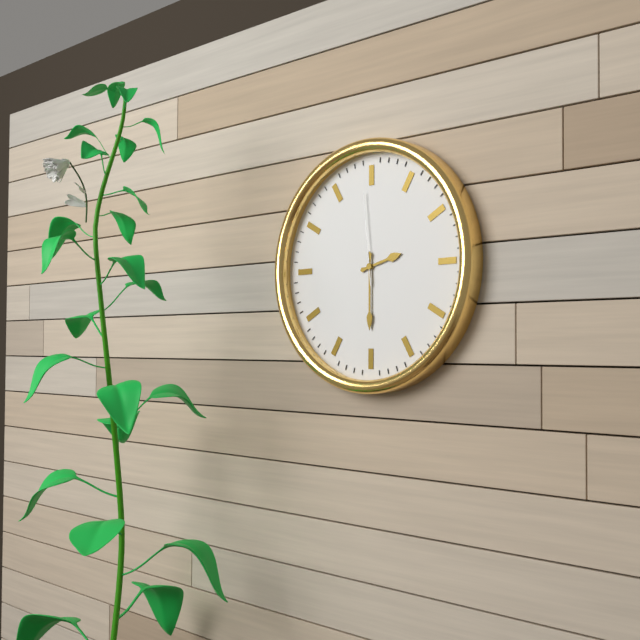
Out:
2 h 30 min 59 s
